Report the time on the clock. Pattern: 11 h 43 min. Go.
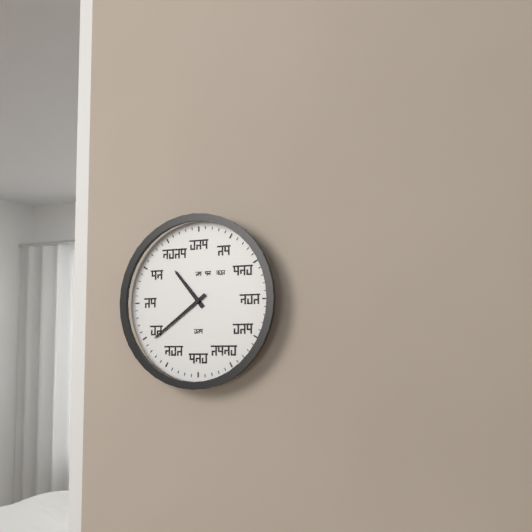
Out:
10 h 39 min
